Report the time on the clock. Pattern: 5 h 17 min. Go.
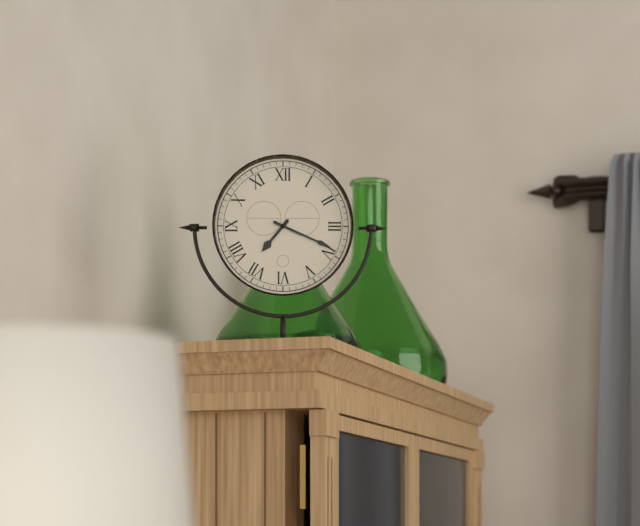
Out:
7 h 19 min
